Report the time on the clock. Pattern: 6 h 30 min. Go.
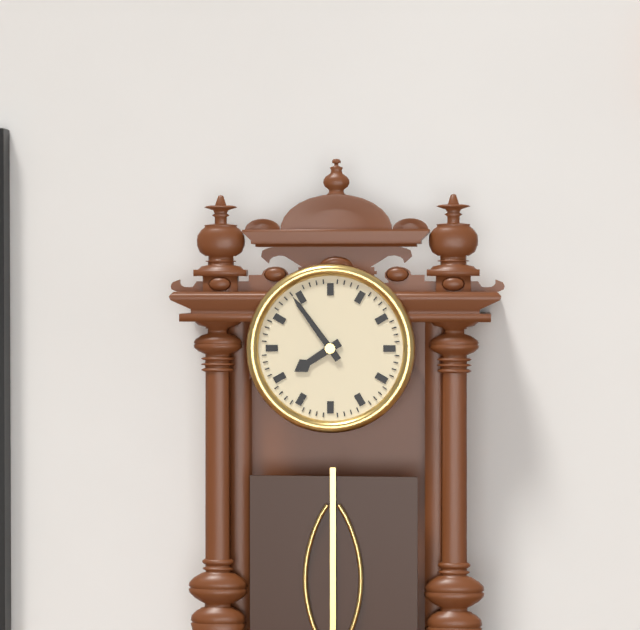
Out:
7 h 54 min
